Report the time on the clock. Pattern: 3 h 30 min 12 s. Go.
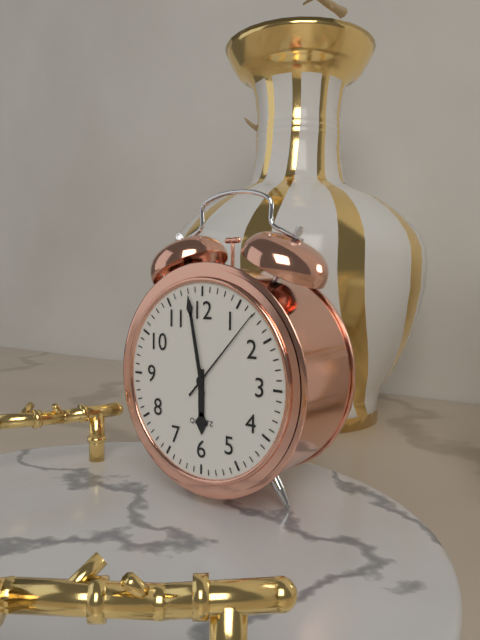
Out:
5 h 58 min 07 s
